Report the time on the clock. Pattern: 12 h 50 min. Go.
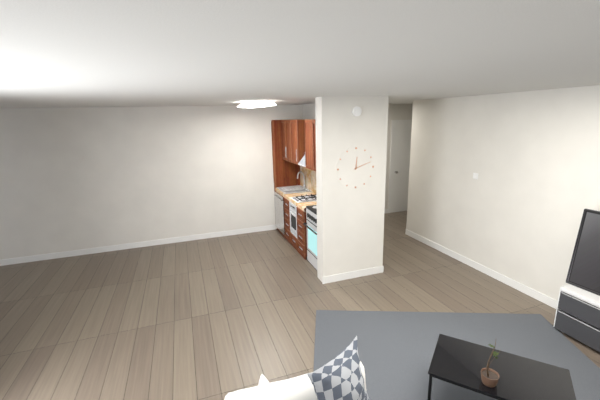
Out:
12 h 12 min
